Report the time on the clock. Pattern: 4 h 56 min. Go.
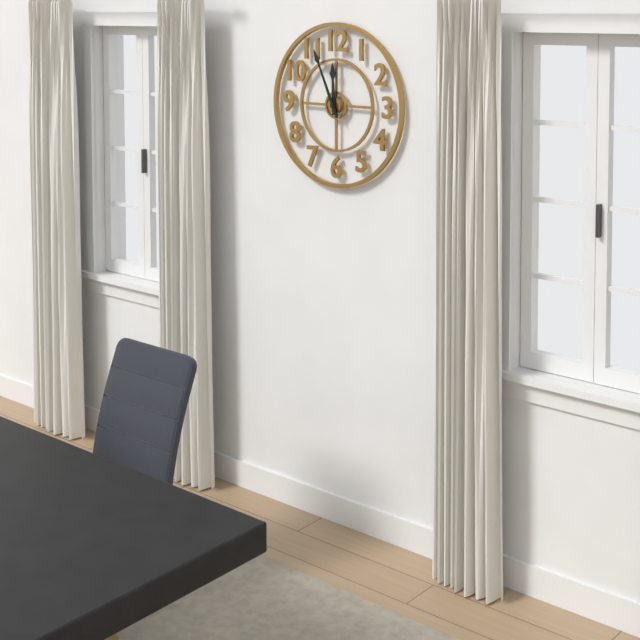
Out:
11 h 56 min
